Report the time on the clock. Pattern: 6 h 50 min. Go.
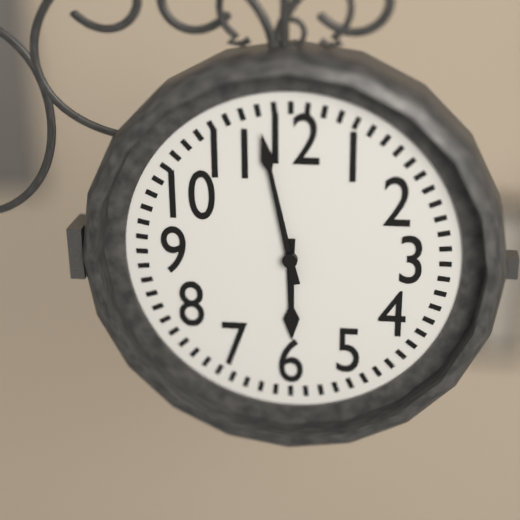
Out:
5 h 58 min
